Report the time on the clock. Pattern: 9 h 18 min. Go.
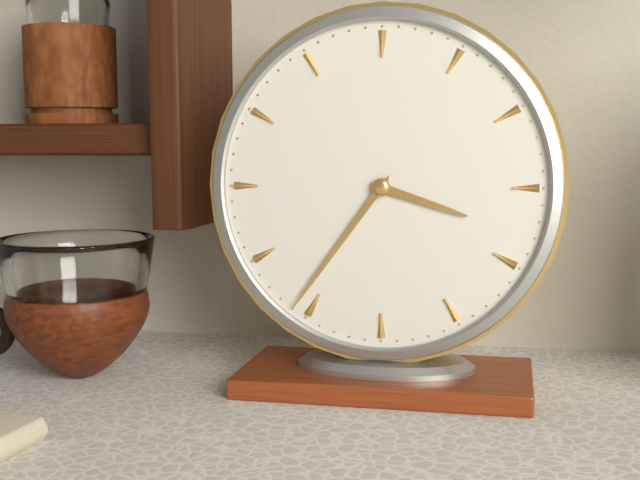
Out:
3 h 36 min
